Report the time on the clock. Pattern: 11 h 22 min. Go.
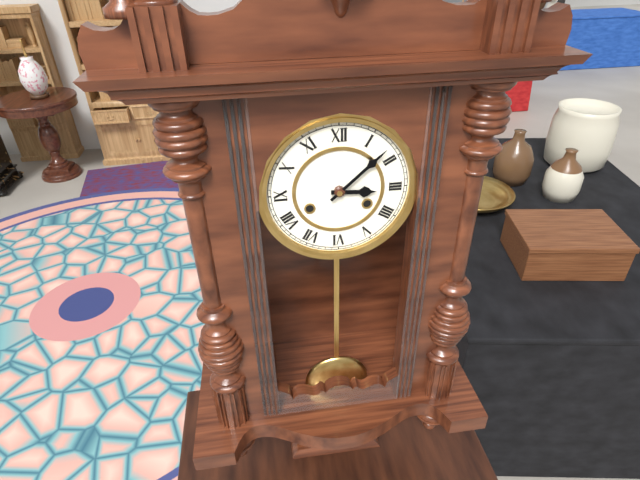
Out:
3 h 08 min
